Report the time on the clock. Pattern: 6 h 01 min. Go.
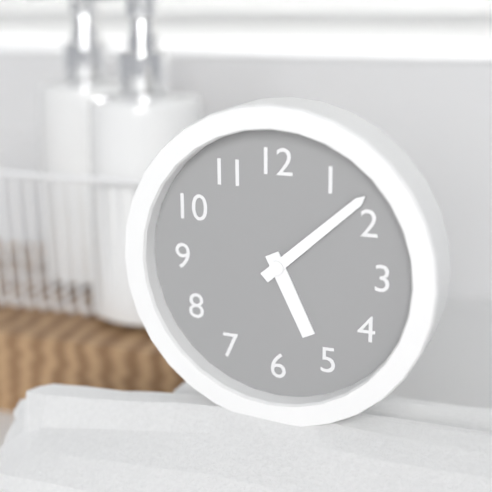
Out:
5 h 08 min
